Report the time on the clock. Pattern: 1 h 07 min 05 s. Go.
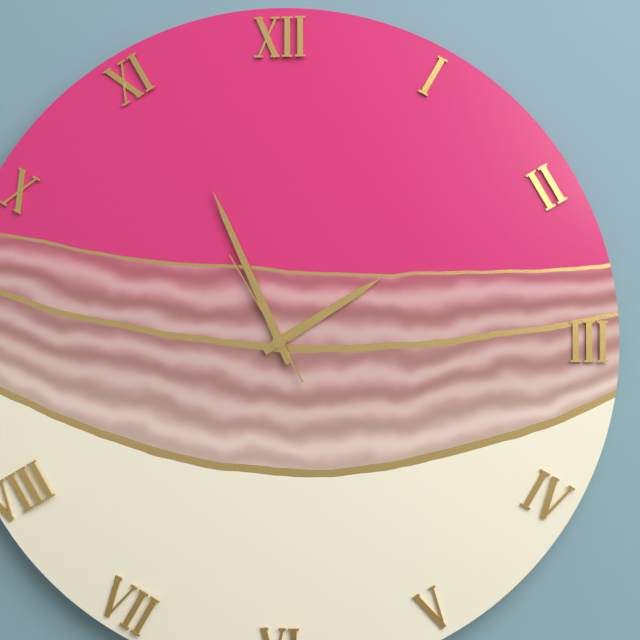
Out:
1 h 56 min 55 s
